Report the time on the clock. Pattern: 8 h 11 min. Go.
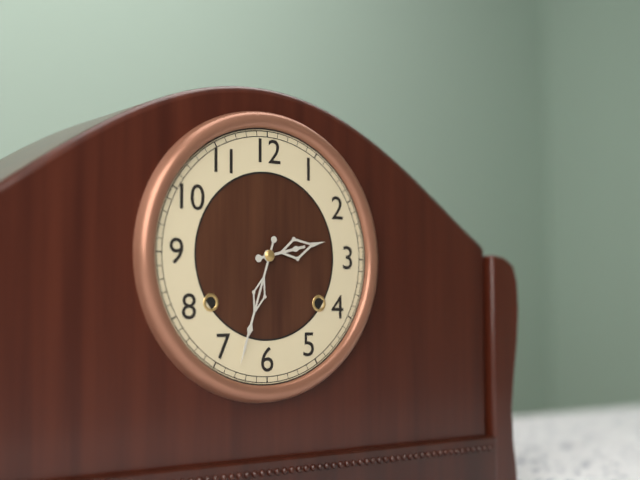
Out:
2 h 33 min
